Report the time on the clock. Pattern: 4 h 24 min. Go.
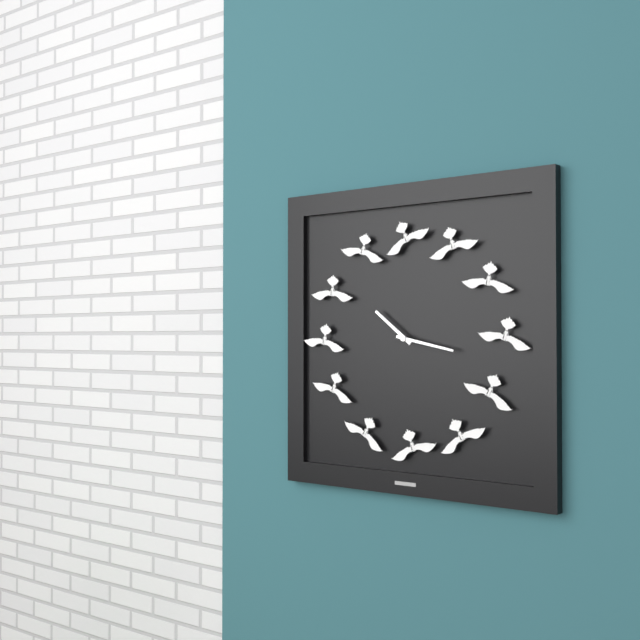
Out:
10 h 17 min
